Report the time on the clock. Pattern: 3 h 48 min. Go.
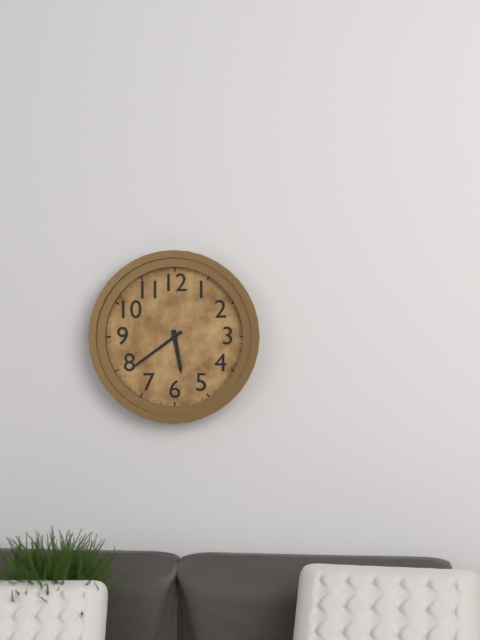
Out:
5 h 39 min
